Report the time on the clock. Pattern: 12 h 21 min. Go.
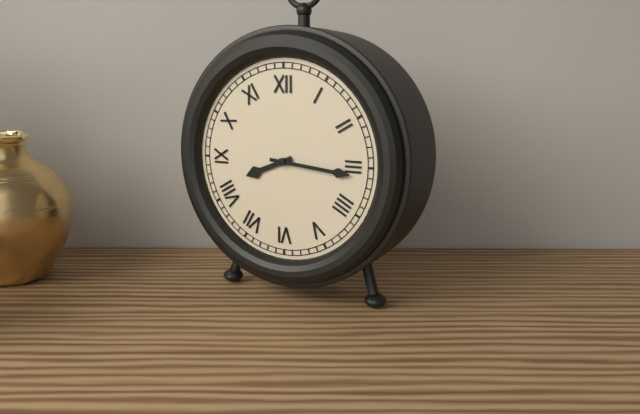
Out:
8 h 16 min
